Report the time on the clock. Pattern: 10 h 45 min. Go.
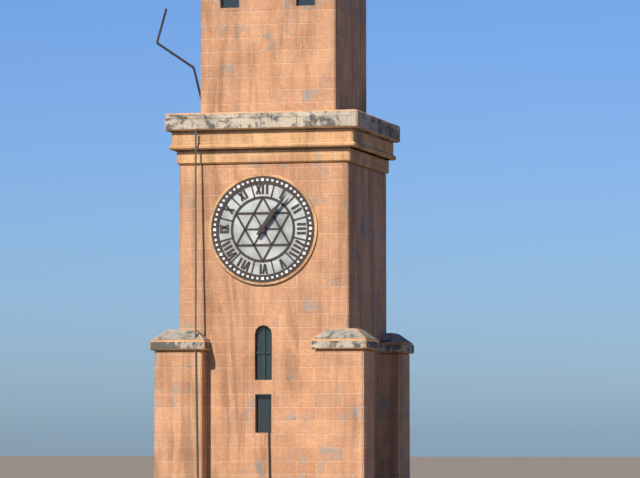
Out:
1 h 06 min
